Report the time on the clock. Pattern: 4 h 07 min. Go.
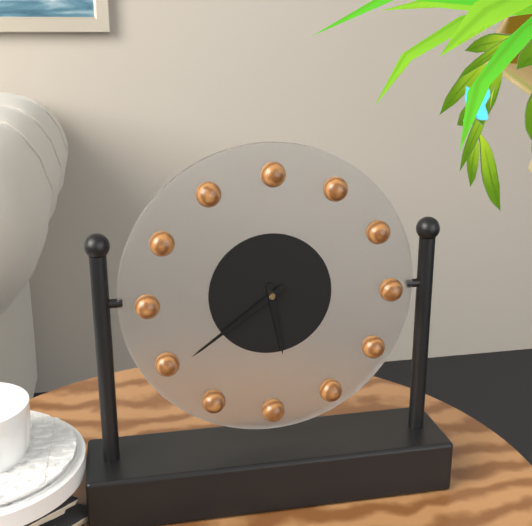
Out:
5 h 39 min
